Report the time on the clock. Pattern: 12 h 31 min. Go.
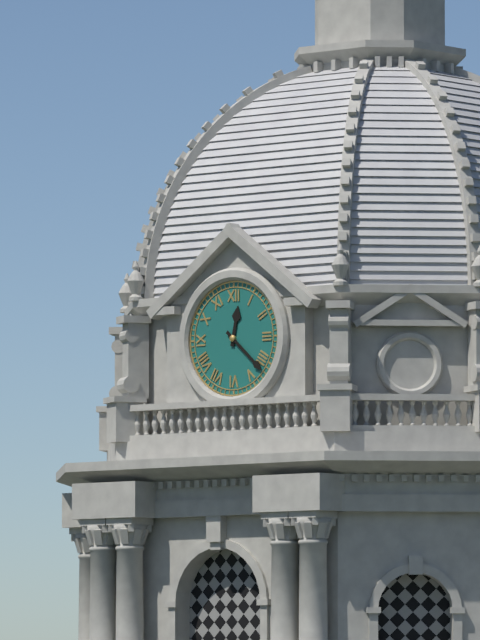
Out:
12 h 22 min
